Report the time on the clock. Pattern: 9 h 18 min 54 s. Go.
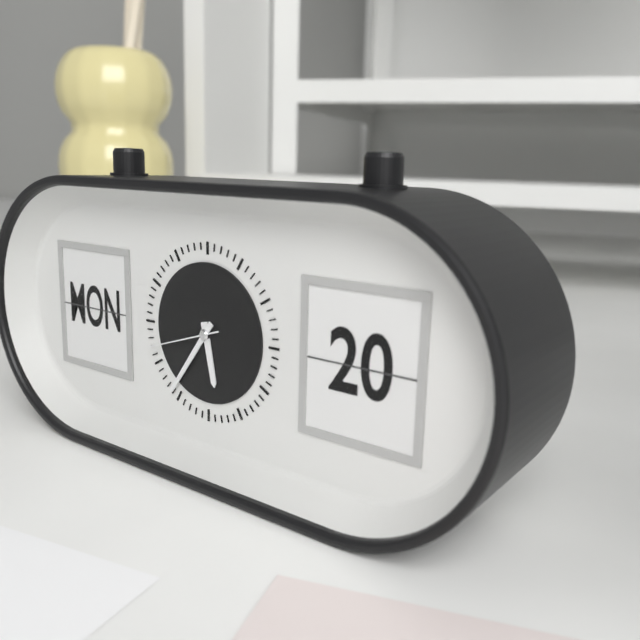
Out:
5 h 36 min 42 s
